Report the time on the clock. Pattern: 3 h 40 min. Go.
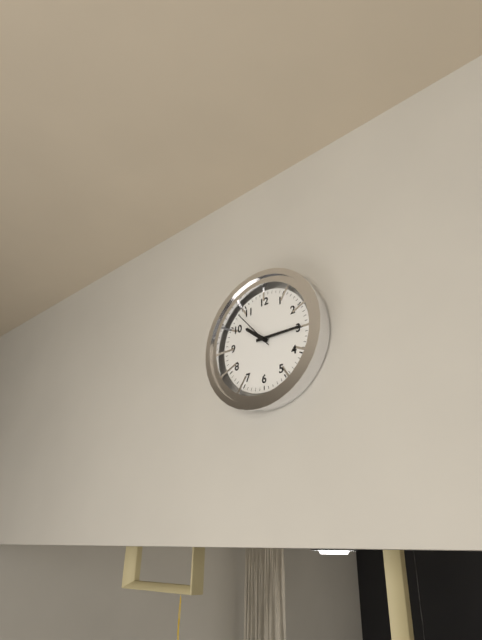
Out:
10 h 15 min
